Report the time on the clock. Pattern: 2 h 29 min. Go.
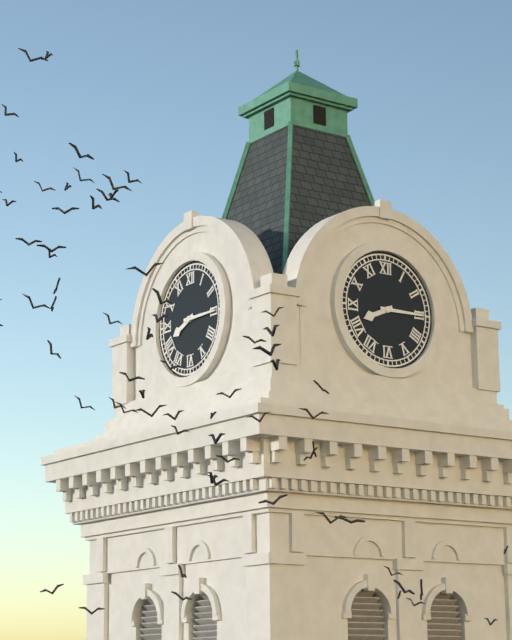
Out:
8 h 15 min
